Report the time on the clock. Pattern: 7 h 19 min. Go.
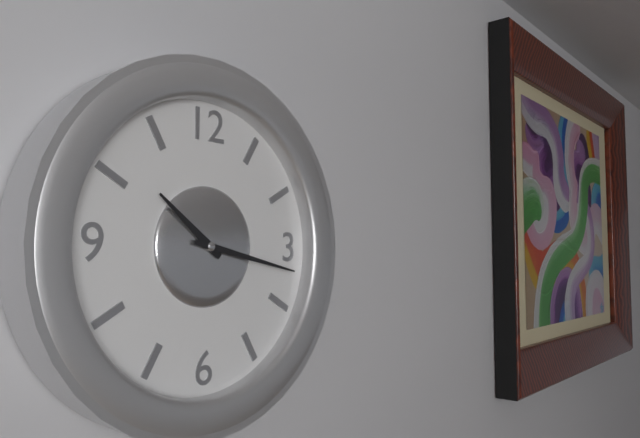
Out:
10 h 17 min
